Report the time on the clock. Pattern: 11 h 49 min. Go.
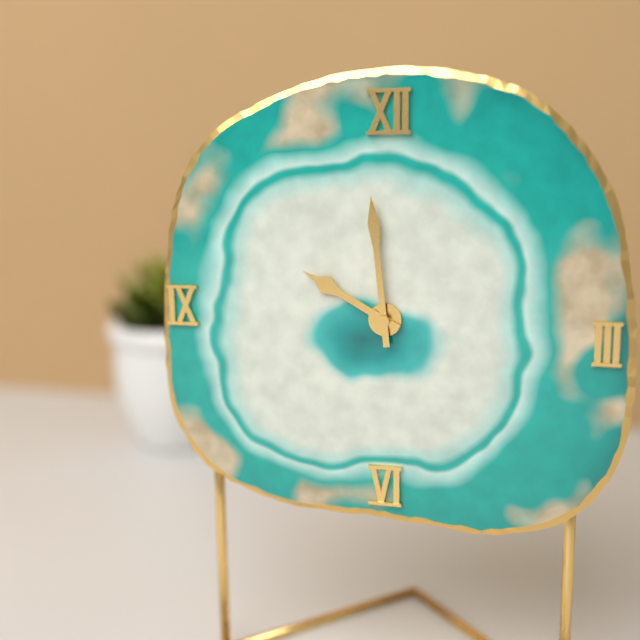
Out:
9 h 59 min
